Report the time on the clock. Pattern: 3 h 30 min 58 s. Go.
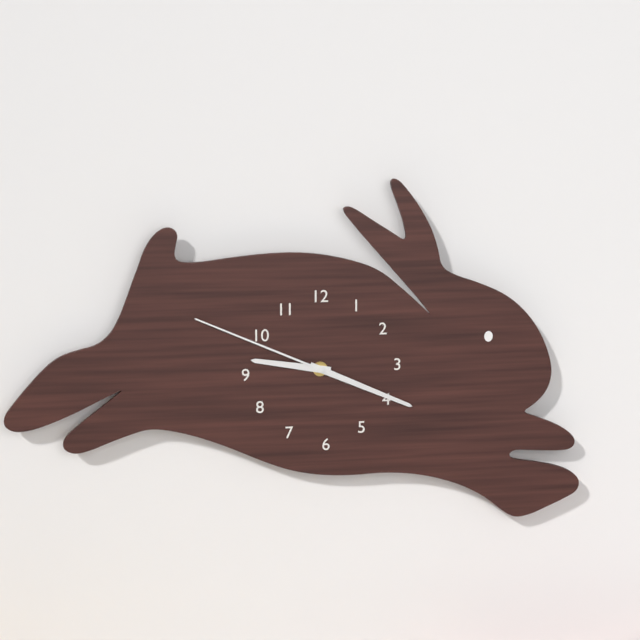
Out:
9 h 19 min 49 s
